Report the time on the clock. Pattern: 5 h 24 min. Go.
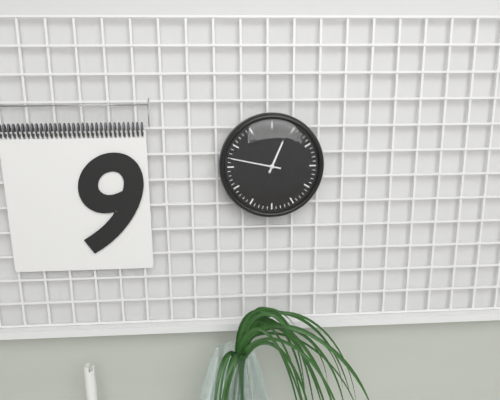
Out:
12 h 47 min
